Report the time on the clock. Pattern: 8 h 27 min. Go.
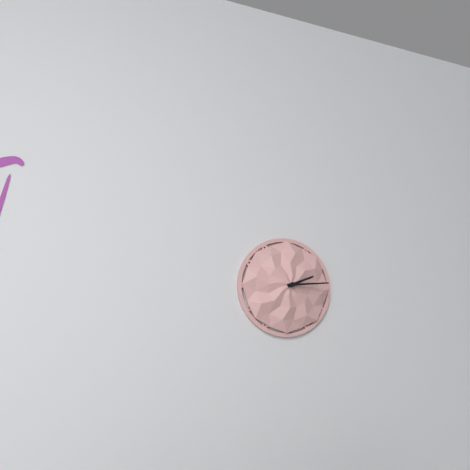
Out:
2 h 14 min
